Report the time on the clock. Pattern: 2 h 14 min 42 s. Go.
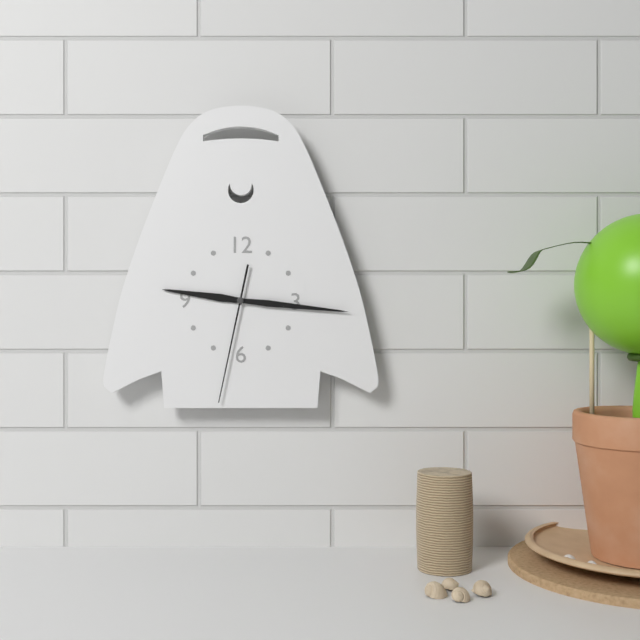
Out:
9 h 16 min 32 s
